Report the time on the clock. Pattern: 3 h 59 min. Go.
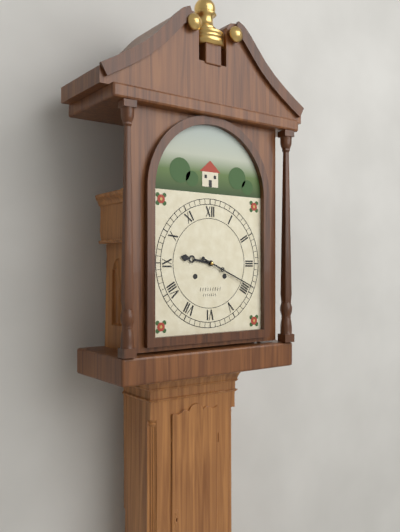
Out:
9 h 19 min
